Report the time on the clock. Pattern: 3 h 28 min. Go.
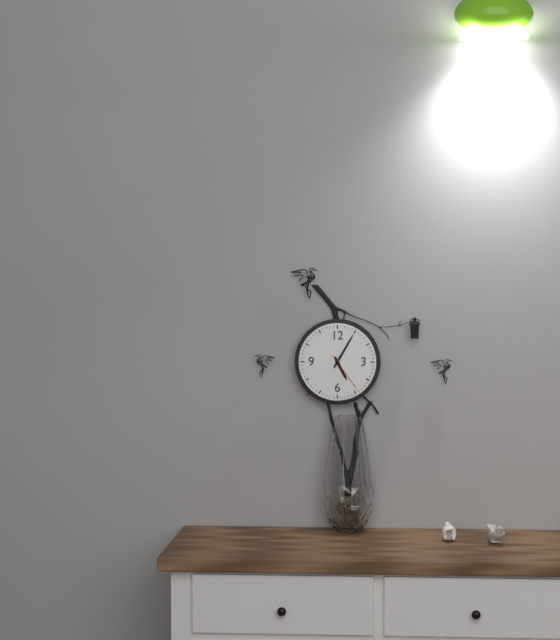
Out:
5 h 05 min
